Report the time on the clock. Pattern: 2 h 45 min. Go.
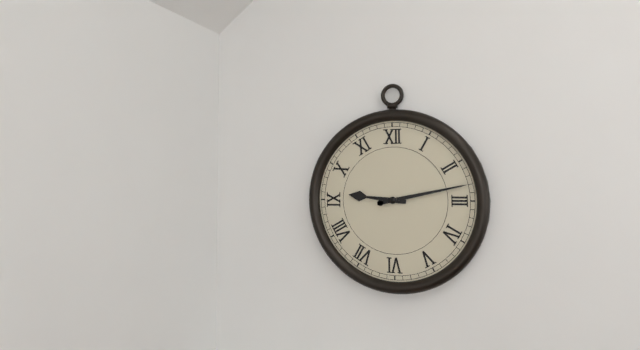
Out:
9 h 13 min
